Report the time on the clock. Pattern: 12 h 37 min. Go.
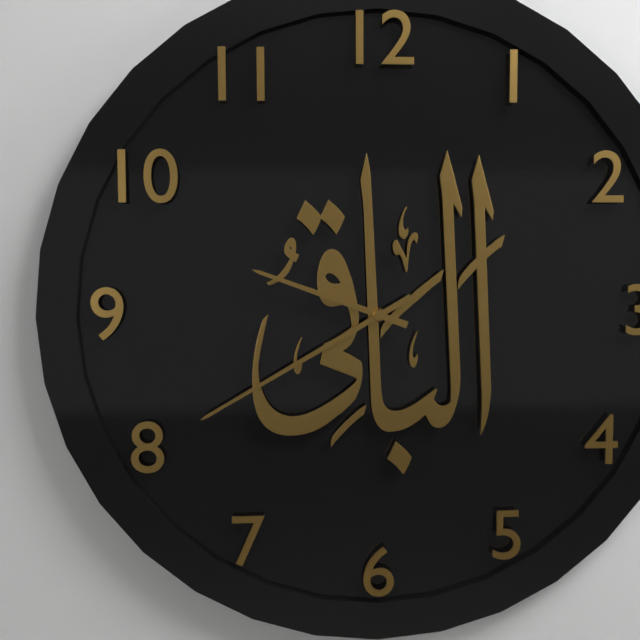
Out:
9 h 40 min
